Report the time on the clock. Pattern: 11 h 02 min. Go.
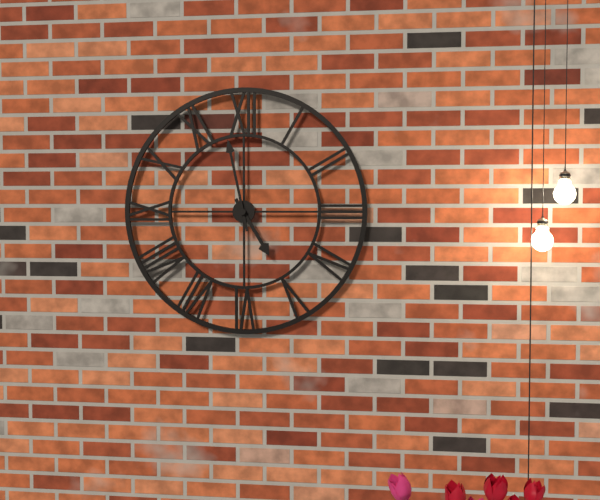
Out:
4 h 58 min
